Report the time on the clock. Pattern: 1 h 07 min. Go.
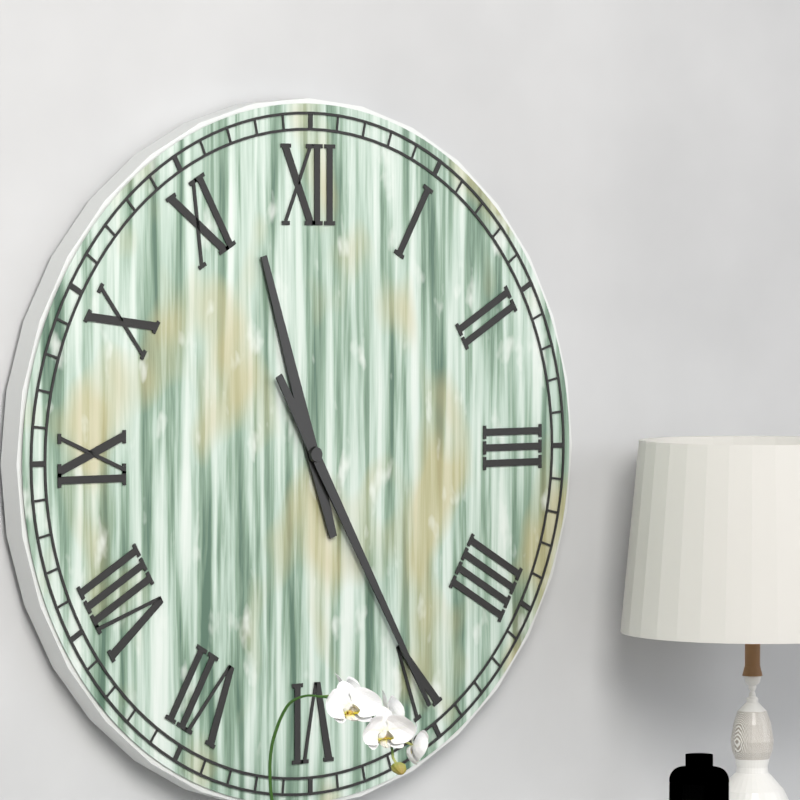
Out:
11 h 25 min
